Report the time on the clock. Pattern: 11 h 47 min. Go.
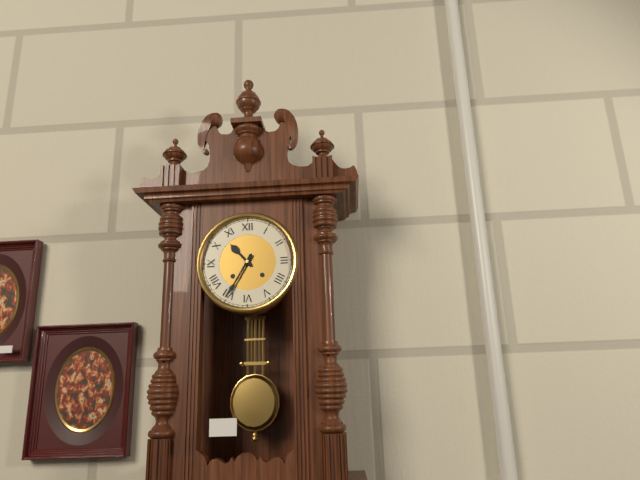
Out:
10 h 35 min
